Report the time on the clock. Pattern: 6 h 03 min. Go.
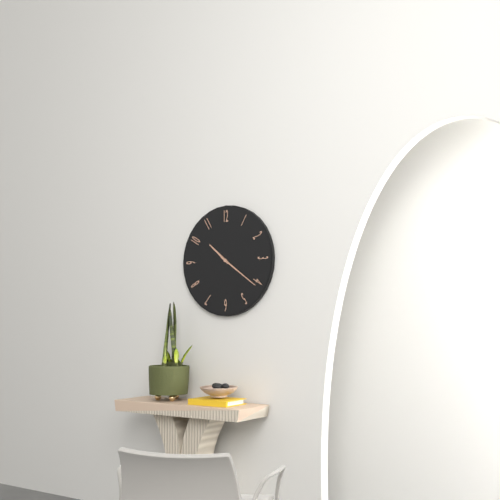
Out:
10 h 21 min
